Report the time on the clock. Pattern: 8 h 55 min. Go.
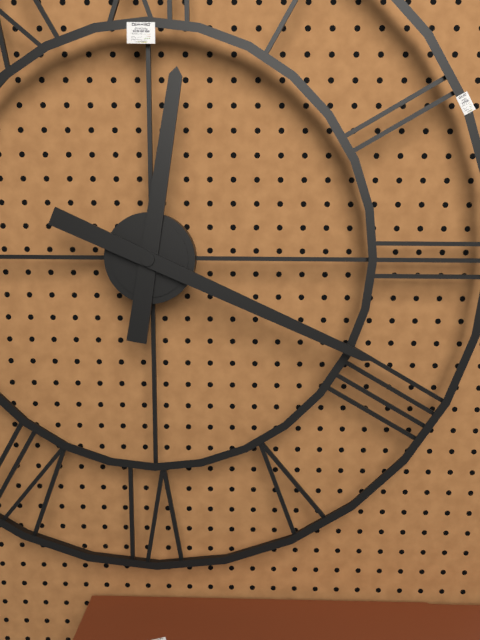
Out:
12 h 19 min
